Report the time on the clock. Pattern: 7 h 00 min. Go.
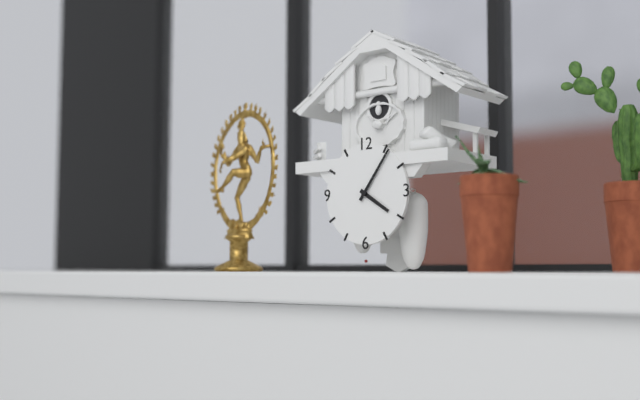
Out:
4 h 06 min
